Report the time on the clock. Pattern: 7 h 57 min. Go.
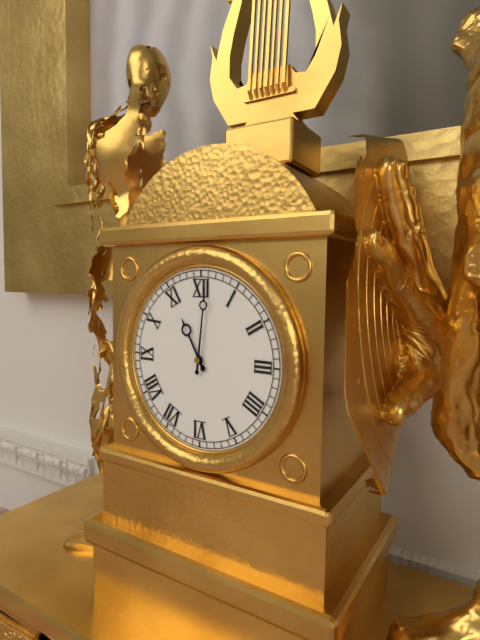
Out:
11 h 01 min
